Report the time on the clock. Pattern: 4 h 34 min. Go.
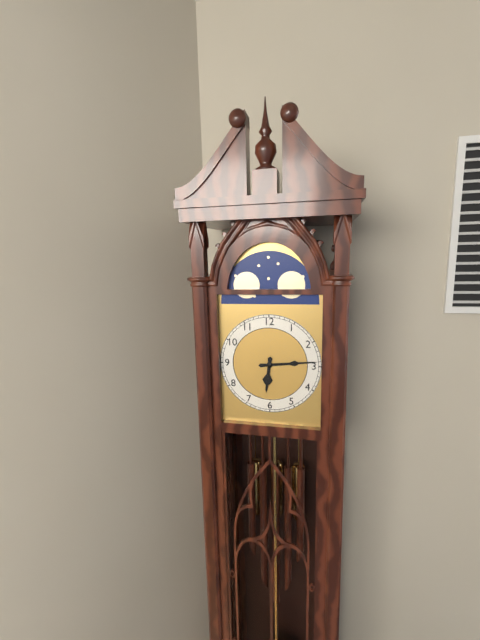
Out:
6 h 14 min
